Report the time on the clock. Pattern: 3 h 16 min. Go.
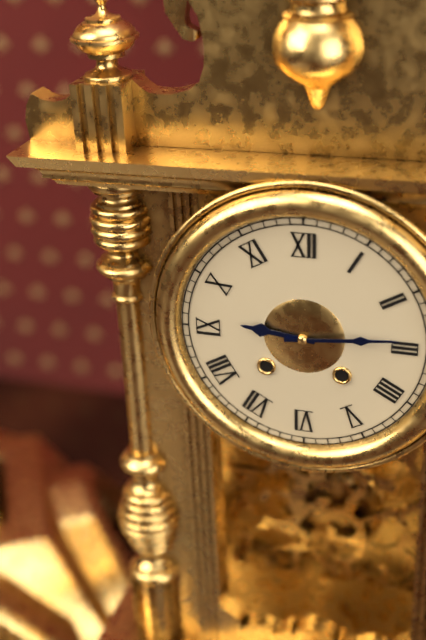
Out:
9 h 14 min
